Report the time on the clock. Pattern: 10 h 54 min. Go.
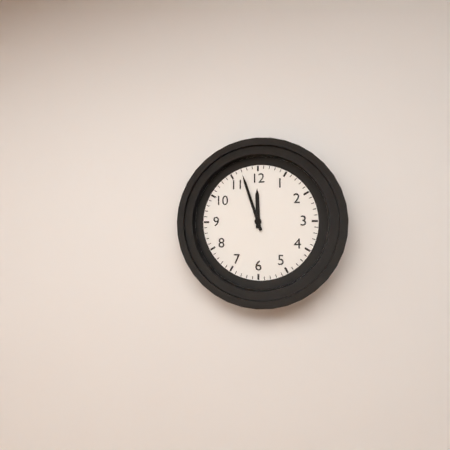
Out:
11 h 57 min
